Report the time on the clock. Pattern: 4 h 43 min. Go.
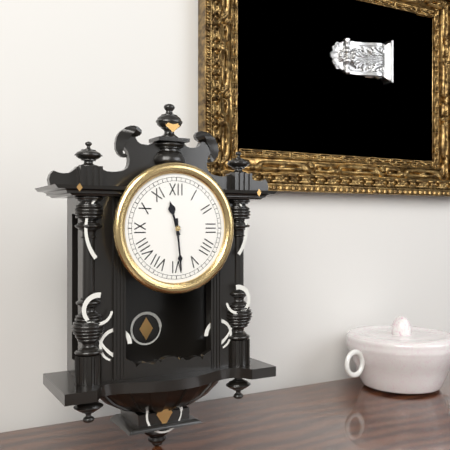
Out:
11 h 29 min
